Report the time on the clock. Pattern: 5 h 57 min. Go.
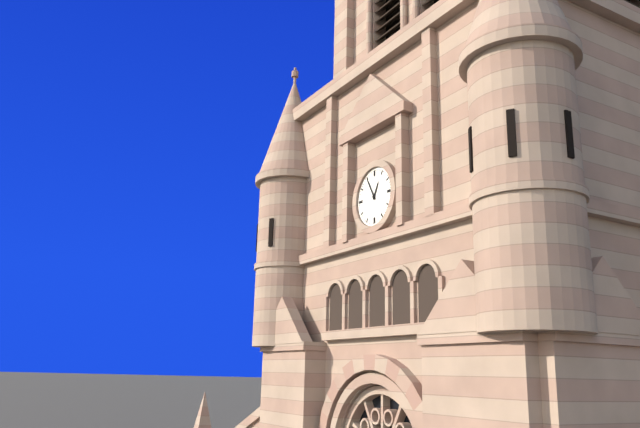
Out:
12 h 55 min
